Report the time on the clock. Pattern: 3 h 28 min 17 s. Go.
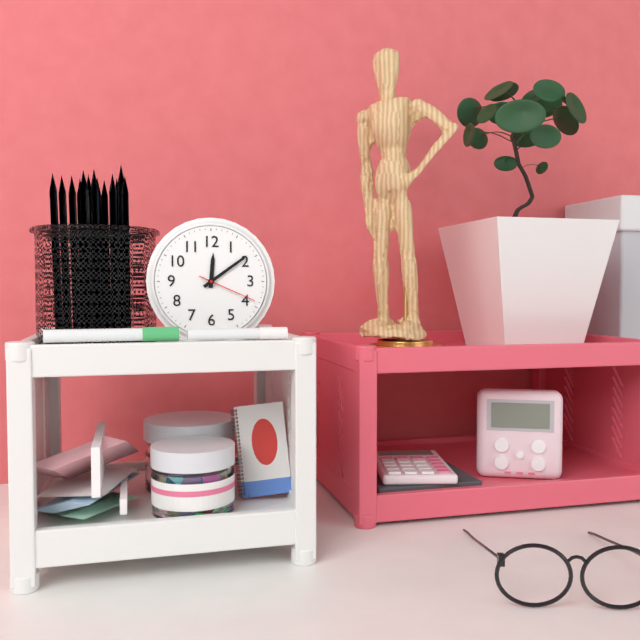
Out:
12 h 09 min 19 s
